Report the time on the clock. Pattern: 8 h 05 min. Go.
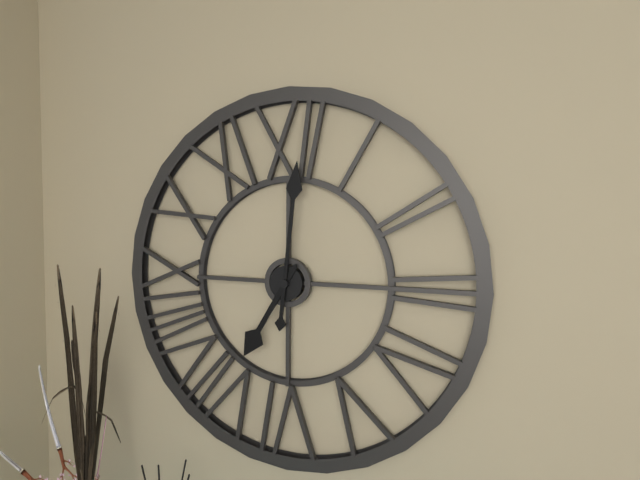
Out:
7 h 01 min
